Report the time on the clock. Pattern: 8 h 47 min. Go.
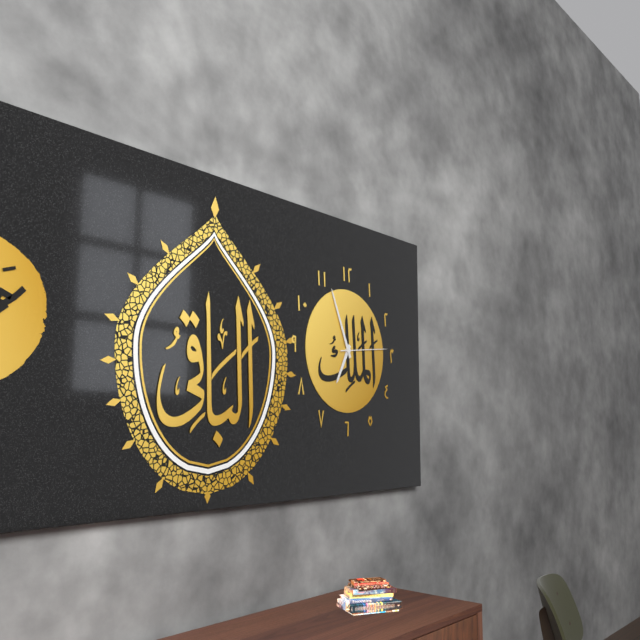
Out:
6 h 56 min
